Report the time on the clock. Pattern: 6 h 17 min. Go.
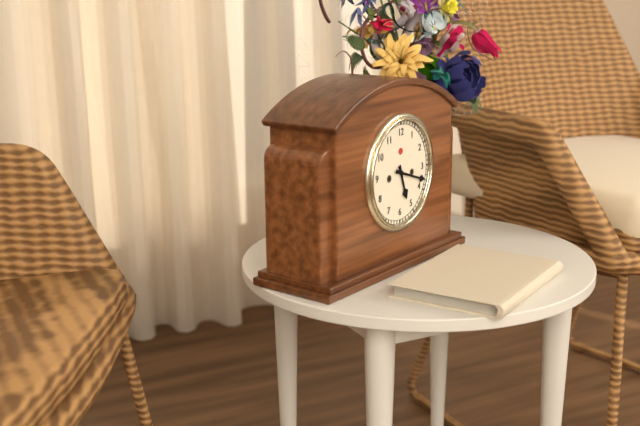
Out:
5 h 18 min
